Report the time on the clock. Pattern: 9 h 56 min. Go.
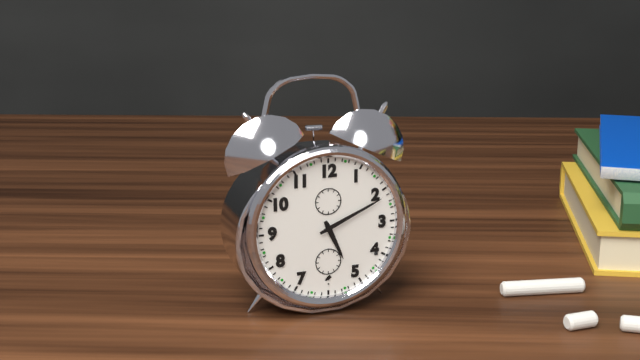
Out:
5 h 11 min
